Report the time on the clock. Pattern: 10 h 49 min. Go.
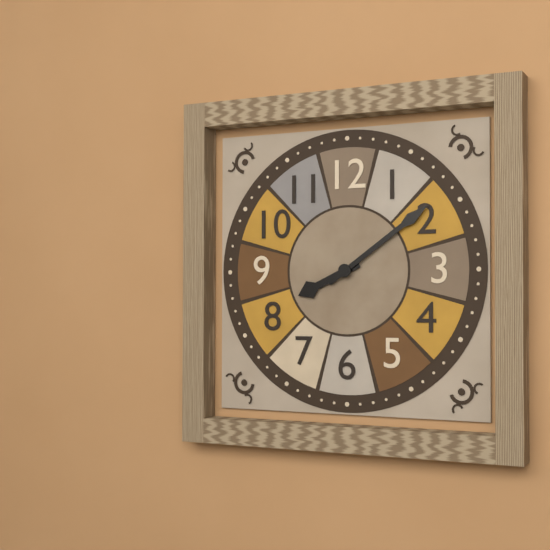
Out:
8 h 09 min
